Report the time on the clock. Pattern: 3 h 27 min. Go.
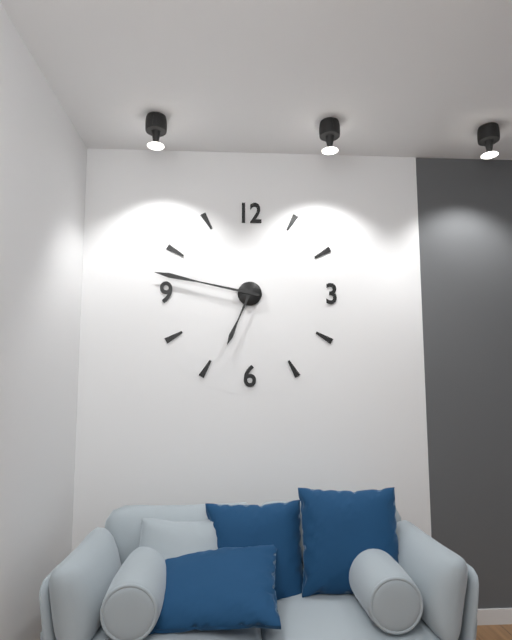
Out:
6 h 47 min
